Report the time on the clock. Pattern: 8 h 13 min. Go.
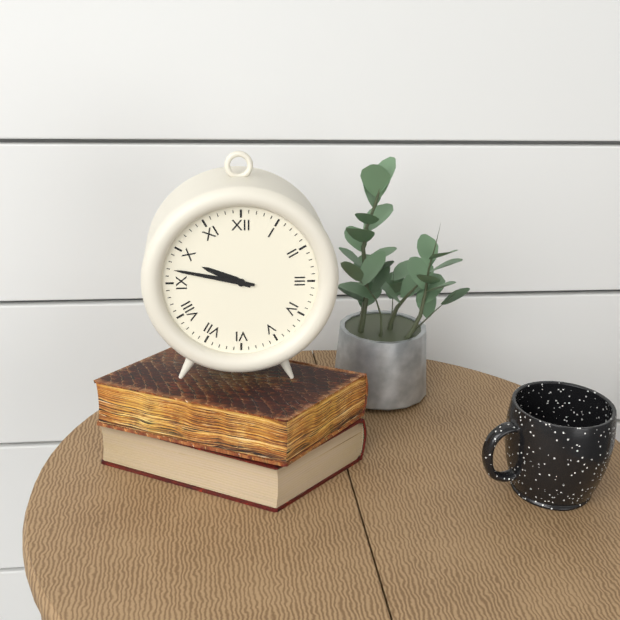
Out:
9 h 47 min
